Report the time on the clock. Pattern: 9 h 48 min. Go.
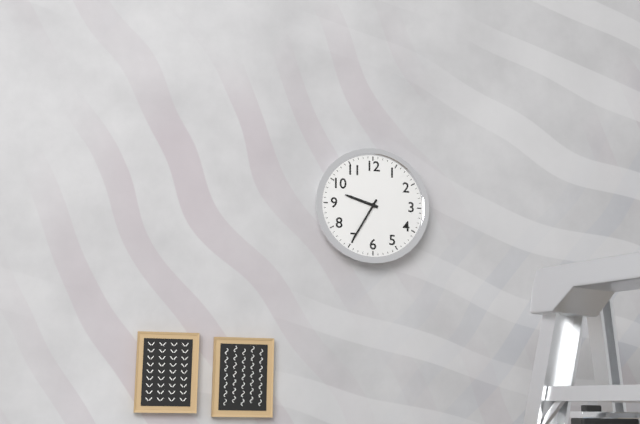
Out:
9 h 35 min
